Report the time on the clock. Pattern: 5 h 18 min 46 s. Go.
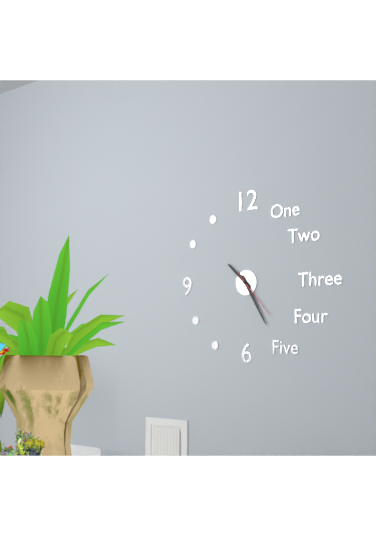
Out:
10 h 25 min 23 s
